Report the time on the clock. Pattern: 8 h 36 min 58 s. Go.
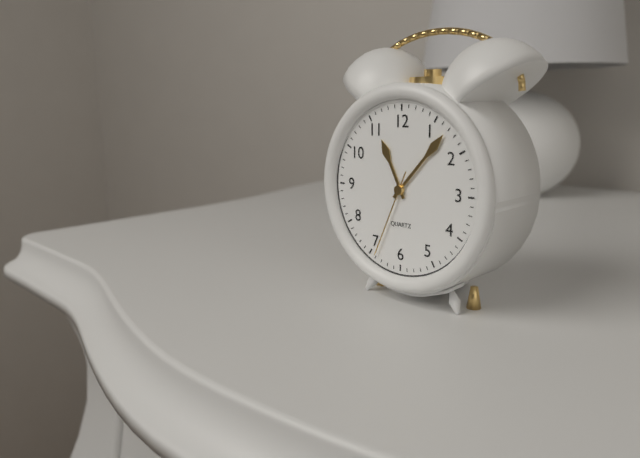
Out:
11 h 07 min 34 s
